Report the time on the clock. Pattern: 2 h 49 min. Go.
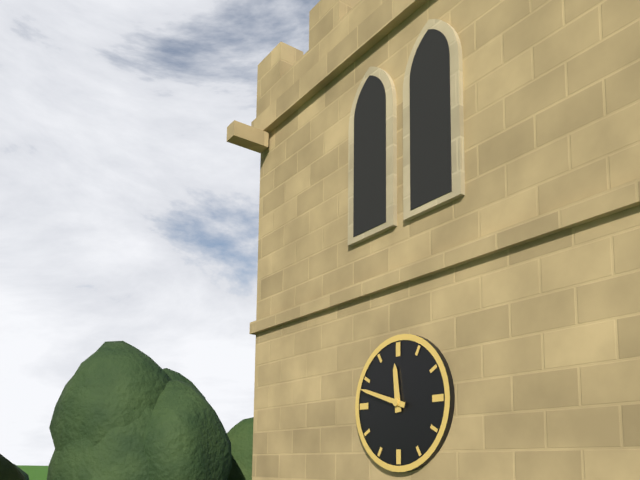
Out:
11 h 48 min
